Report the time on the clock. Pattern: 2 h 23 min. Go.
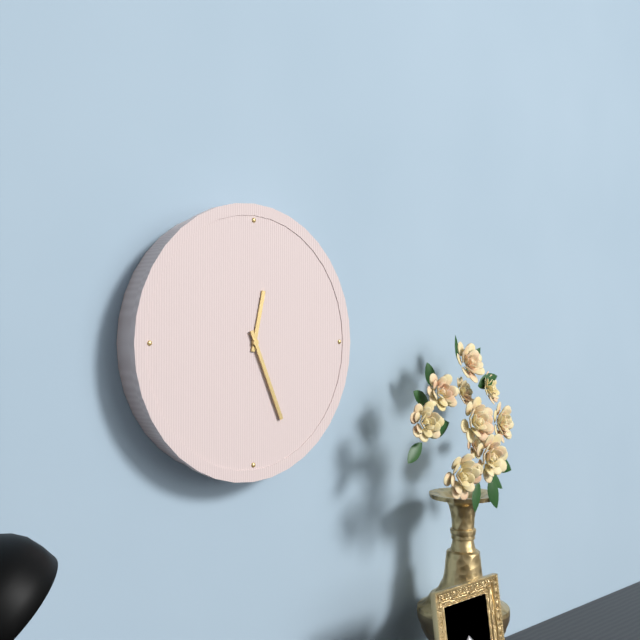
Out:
12 h 26 min
